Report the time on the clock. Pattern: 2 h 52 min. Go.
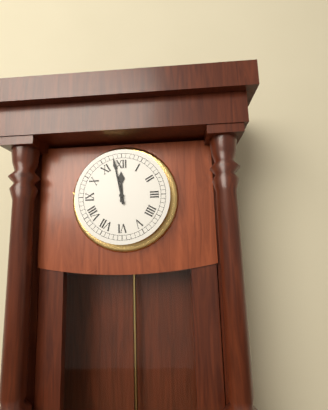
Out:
11 h 58 min
